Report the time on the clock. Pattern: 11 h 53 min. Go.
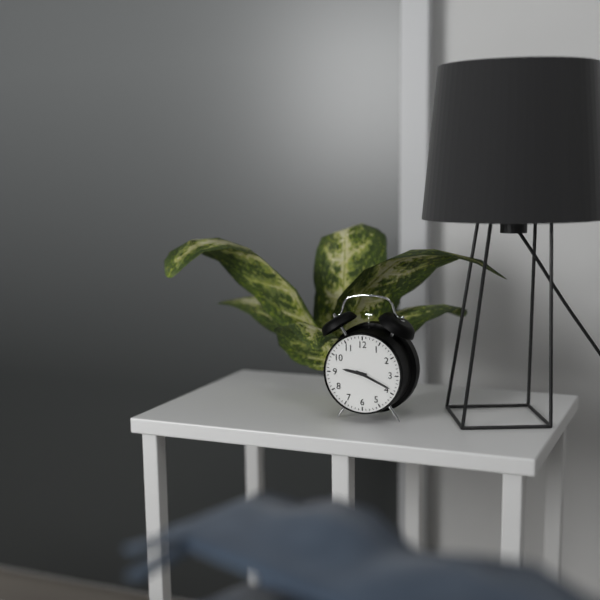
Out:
9 h 19 min
